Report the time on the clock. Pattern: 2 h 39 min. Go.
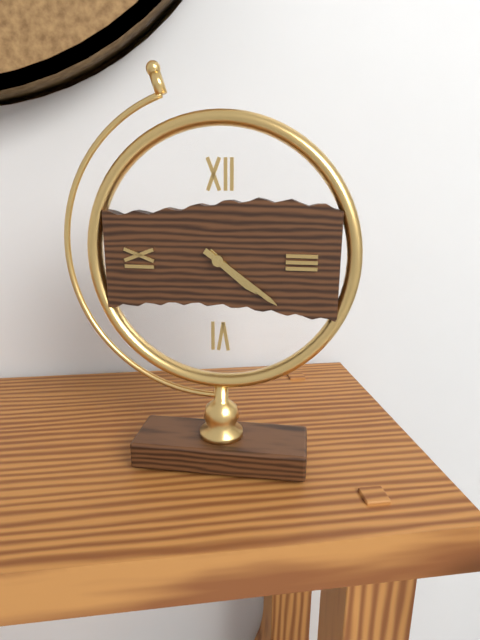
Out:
4 h 21 min
